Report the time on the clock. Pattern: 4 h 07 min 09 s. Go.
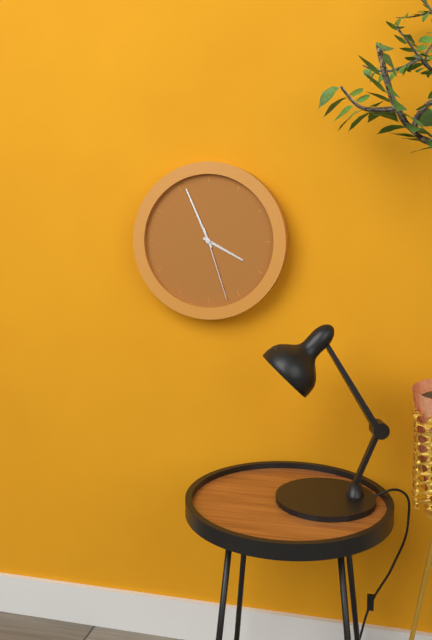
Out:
3 h 56 min 27 s
